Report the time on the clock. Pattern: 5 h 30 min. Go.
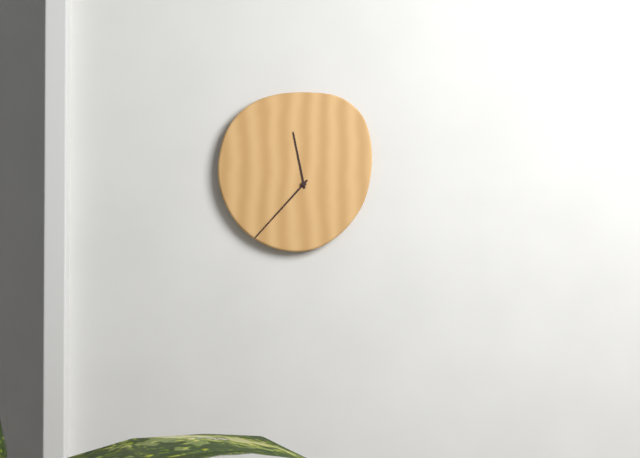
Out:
11 h 37 min
